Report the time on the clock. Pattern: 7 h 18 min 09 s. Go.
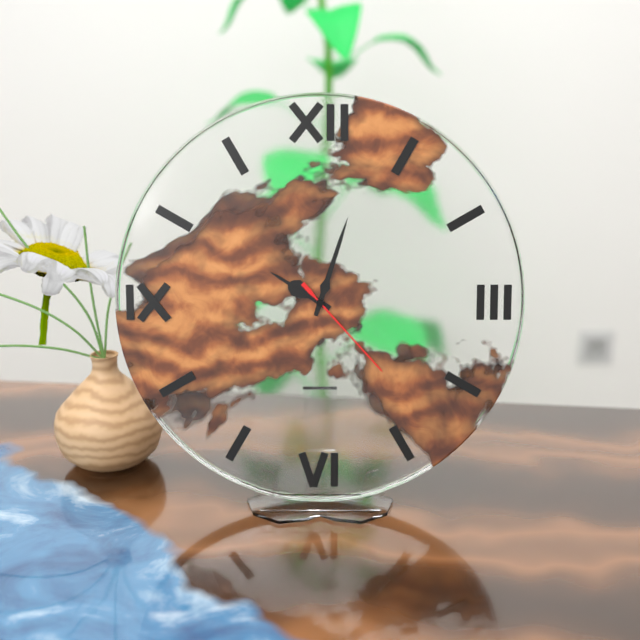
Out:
10 h 03 min 23 s
